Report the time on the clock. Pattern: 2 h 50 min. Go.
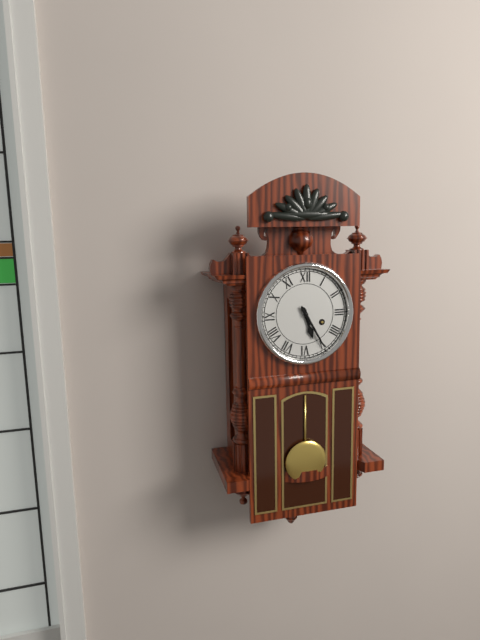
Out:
5 h 25 min
